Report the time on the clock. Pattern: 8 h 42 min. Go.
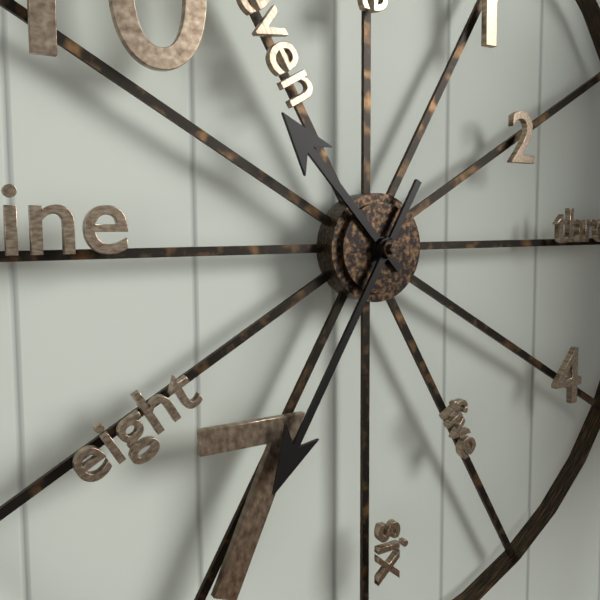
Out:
10 h 35 min
